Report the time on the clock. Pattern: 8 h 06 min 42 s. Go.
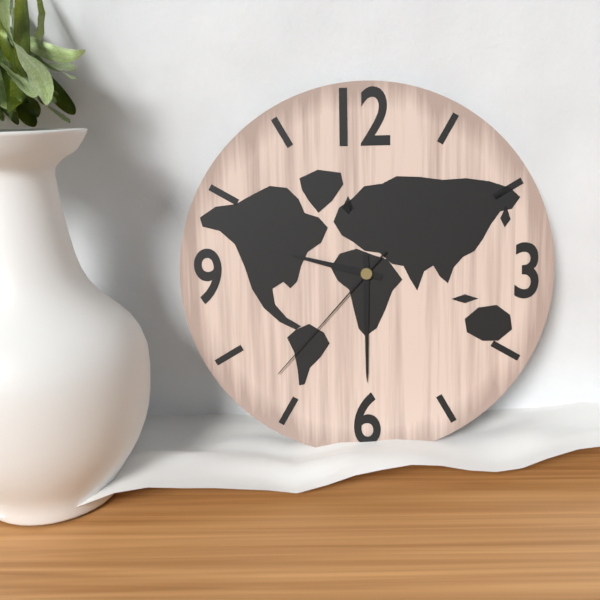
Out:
9 h 30 min 37 s
